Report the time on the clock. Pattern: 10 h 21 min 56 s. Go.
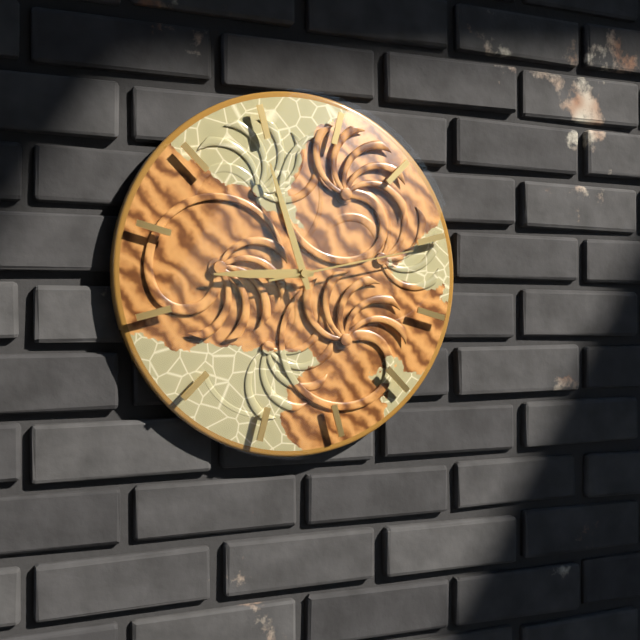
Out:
8 h 57 min 13 s
